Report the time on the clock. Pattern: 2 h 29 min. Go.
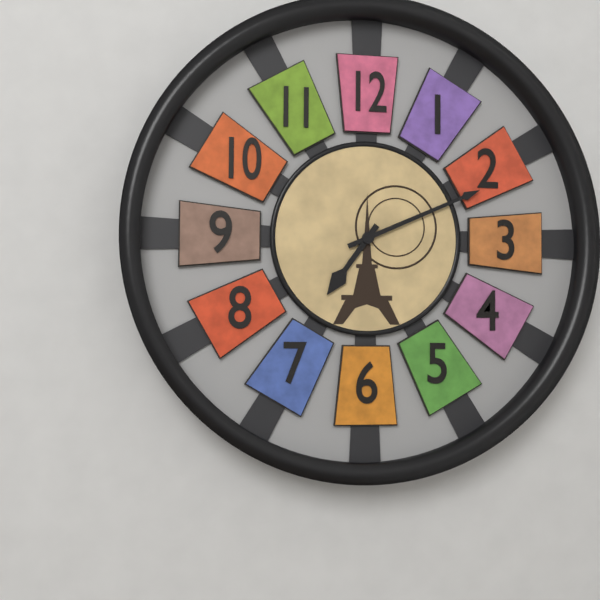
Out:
7 h 11 min
